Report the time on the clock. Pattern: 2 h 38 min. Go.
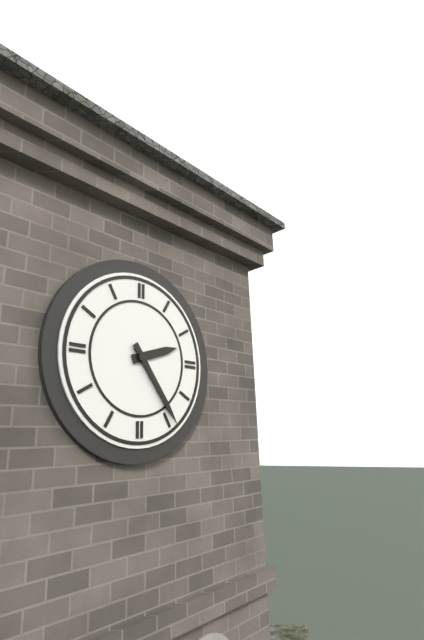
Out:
2 h 24 min
